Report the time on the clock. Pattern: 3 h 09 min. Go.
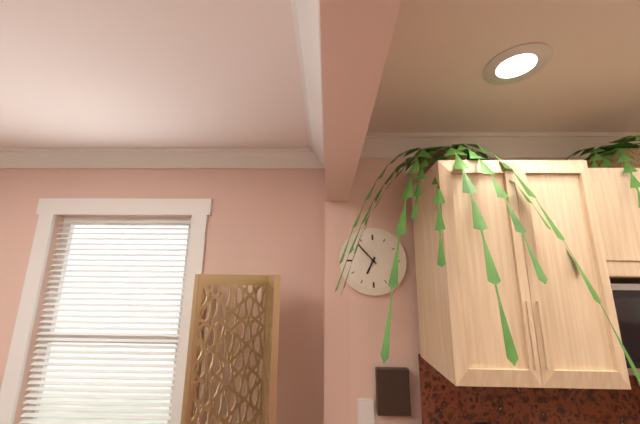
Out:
6 h 53 min
